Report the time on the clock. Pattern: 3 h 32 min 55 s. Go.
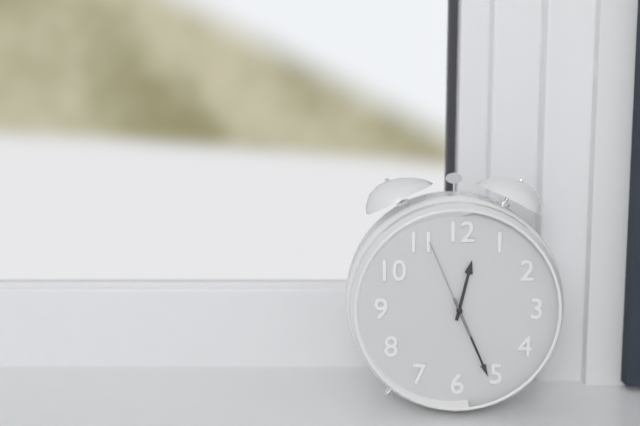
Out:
12 h 26 min 56 s
